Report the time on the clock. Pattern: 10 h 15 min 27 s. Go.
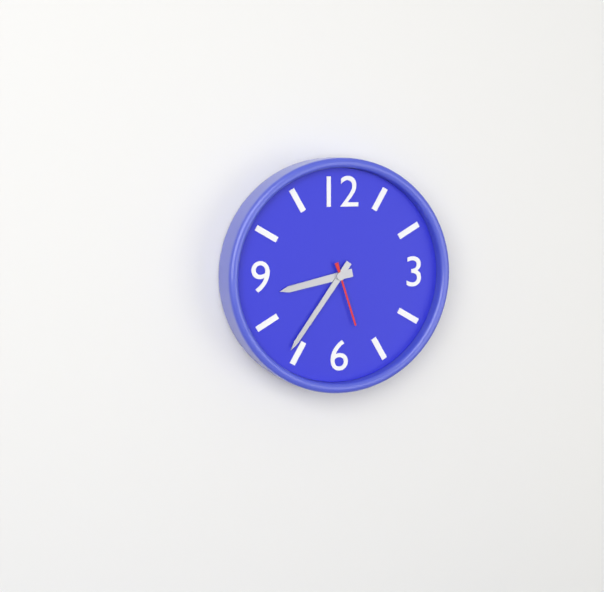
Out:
8 h 36 min 27 s
